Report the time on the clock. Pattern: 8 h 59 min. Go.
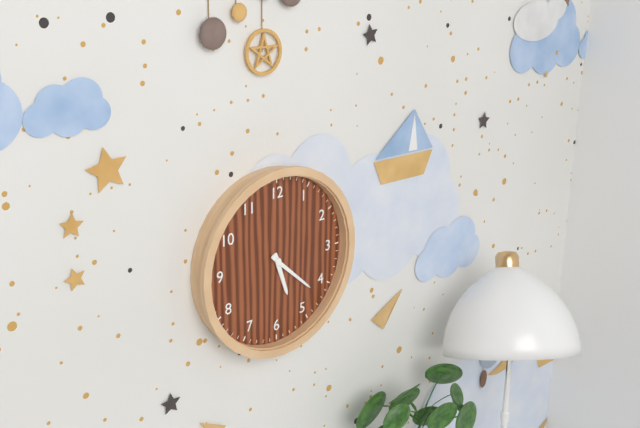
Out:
5 h 22 min
